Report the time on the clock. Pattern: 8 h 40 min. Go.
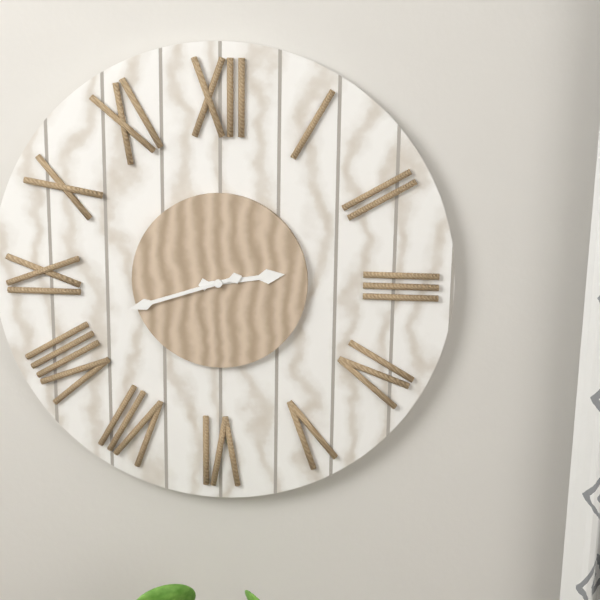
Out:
2 h 42 min
